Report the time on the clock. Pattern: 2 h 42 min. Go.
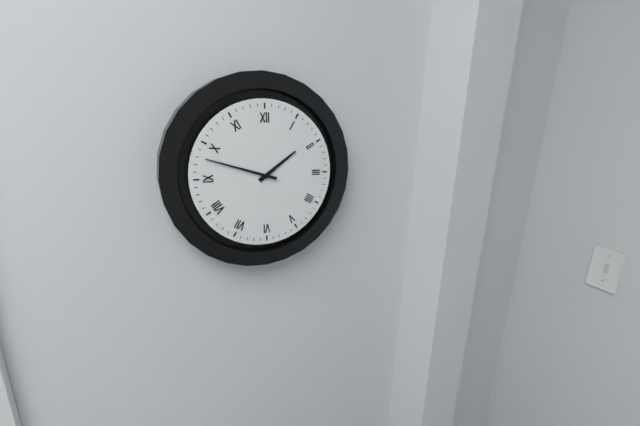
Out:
1 h 48 min
